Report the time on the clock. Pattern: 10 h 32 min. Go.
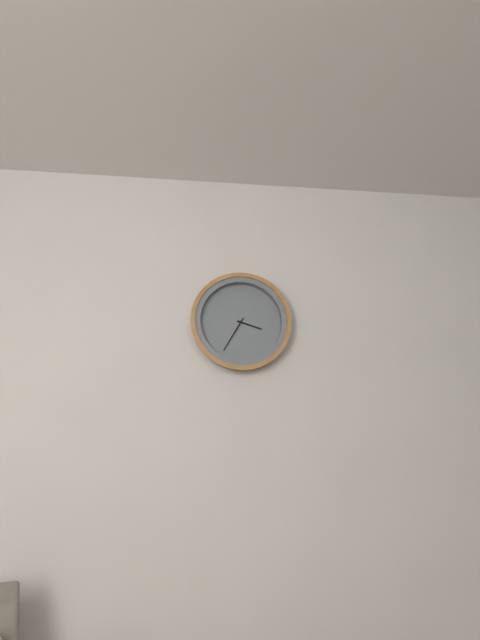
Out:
3 h 35 min
